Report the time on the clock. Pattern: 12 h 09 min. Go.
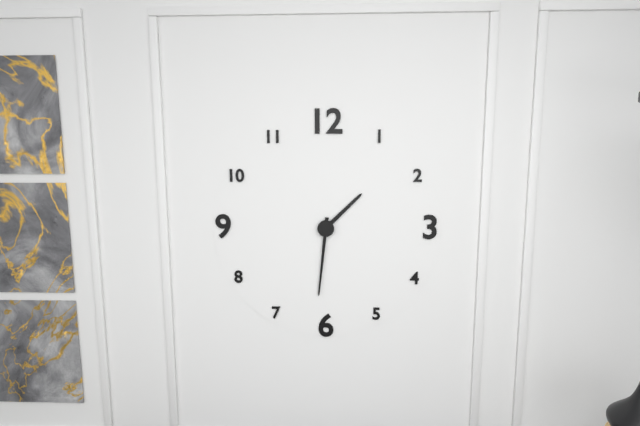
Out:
1 h 31 min
